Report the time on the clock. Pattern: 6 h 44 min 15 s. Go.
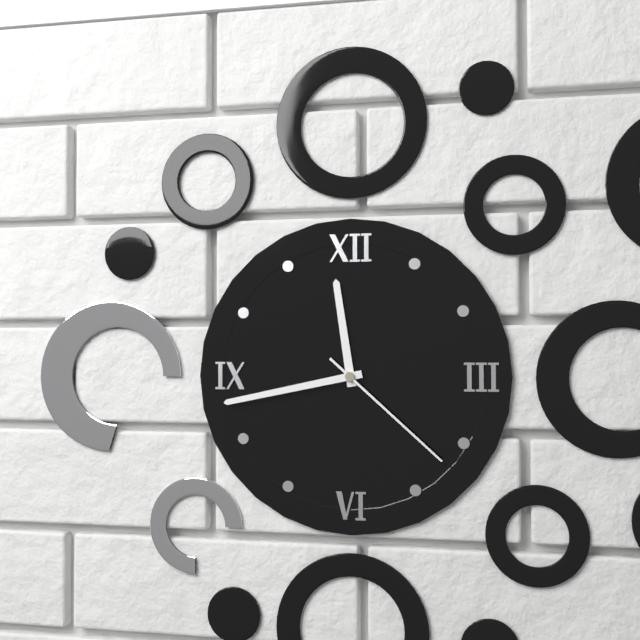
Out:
11 h 43 min 22 s
